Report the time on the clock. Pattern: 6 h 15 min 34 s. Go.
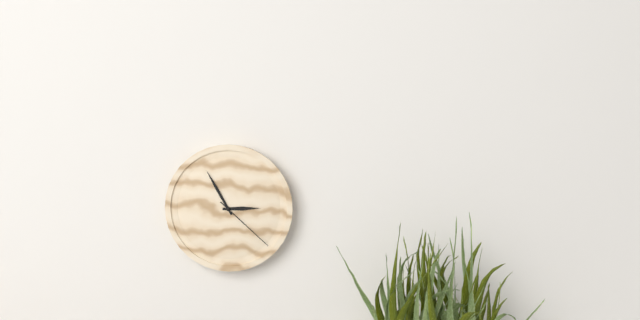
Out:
2 h 55 min 22 s
